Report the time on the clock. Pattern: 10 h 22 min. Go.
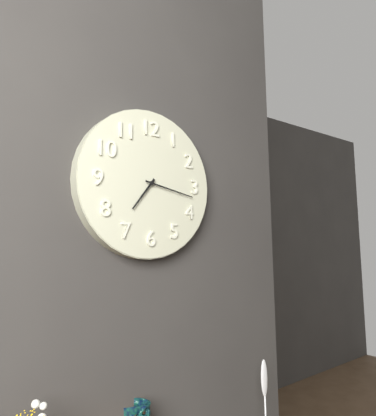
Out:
7 h 17 min
